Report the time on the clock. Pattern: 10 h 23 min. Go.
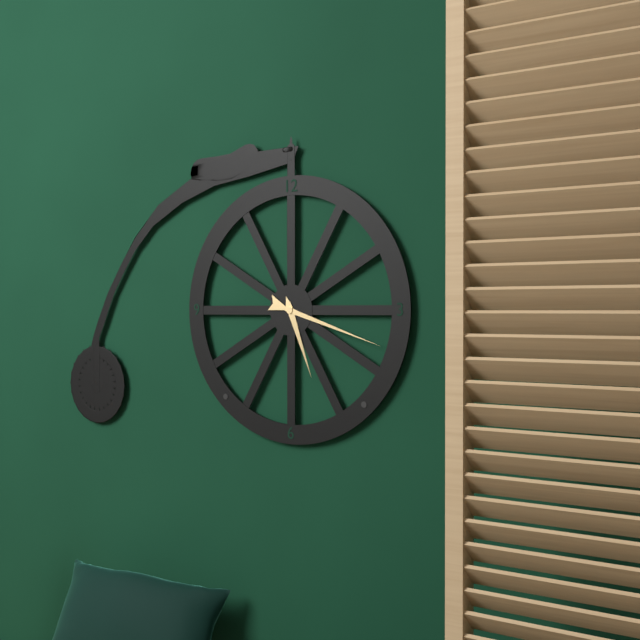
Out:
5 h 18 min
